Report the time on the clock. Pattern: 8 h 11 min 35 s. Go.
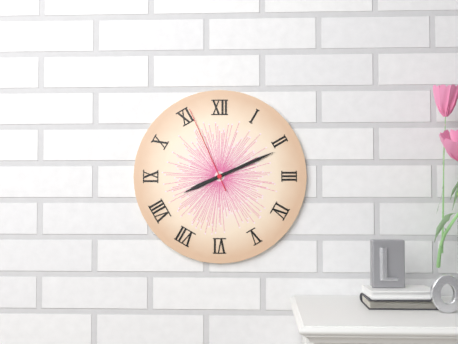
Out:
8 h 11 min 56 s
